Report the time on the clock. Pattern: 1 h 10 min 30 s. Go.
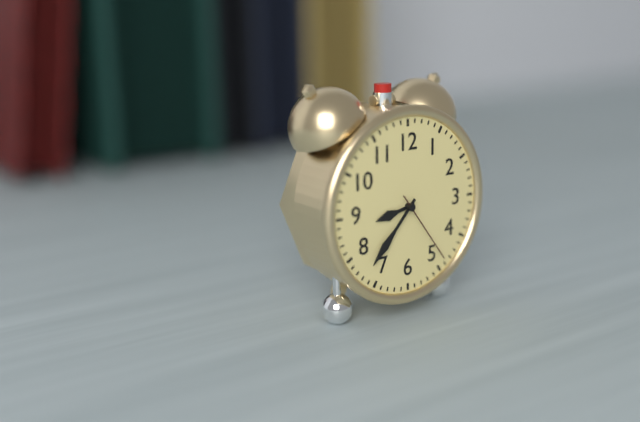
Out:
8 h 37 min 24 s
